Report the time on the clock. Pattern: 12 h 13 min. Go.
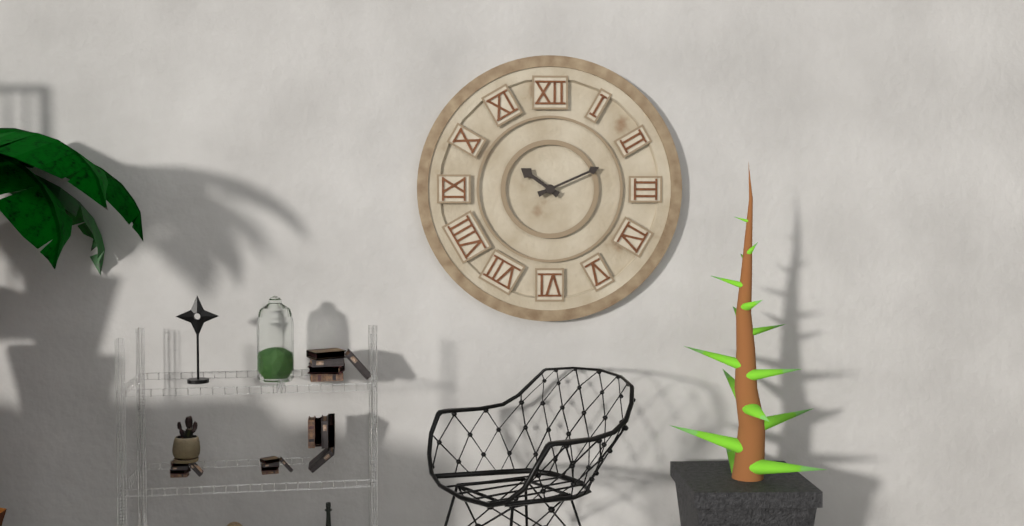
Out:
10 h 11 min
